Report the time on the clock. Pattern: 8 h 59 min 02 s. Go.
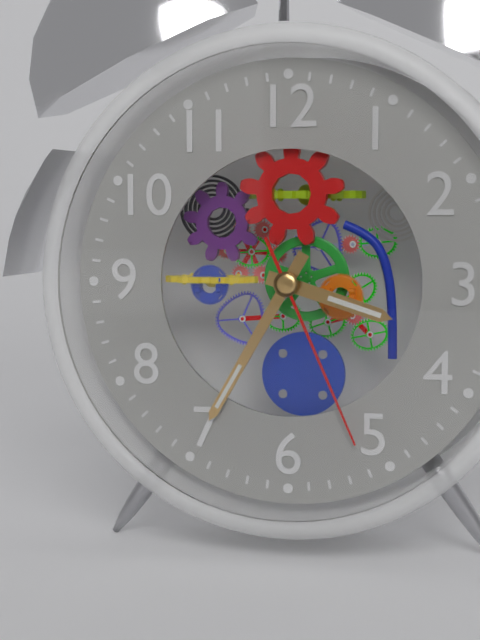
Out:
3 h 35 min 26 s
